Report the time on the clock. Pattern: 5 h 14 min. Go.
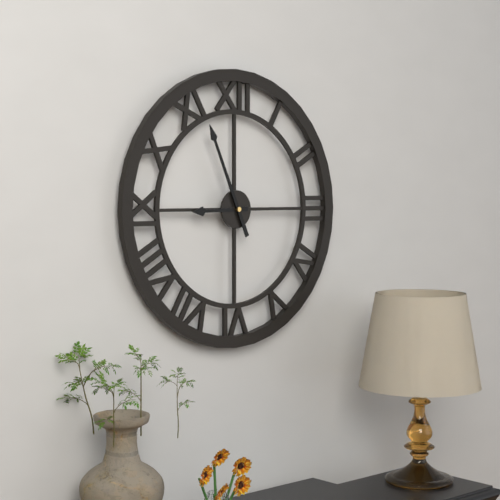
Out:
8 h 56 min
